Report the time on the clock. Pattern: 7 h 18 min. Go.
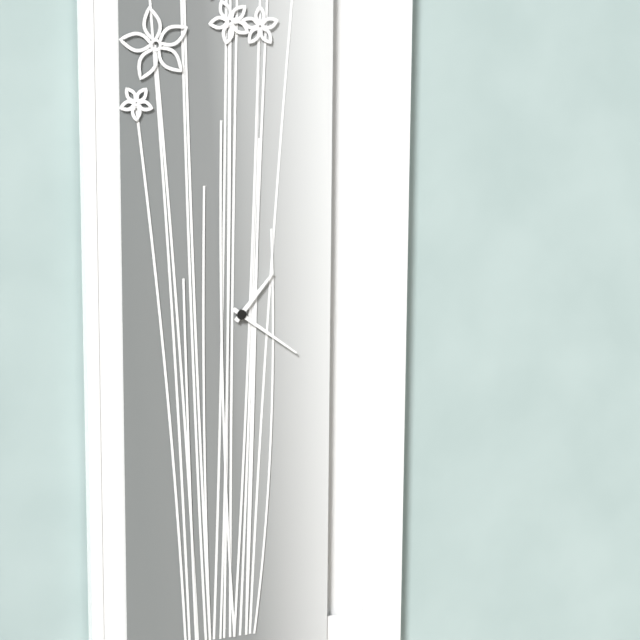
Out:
1 h 21 min
